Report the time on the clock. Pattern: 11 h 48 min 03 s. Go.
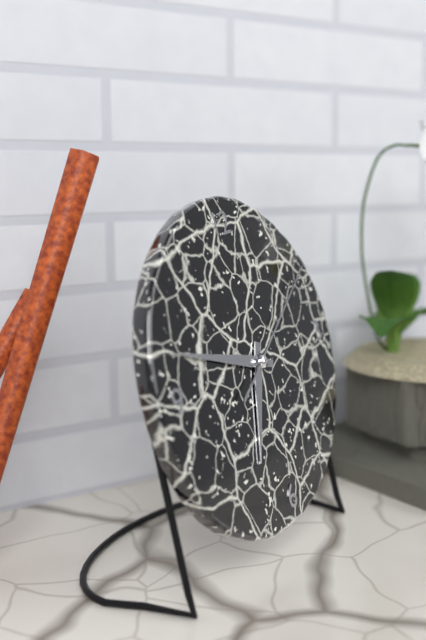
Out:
6 h 48 min 10 s
